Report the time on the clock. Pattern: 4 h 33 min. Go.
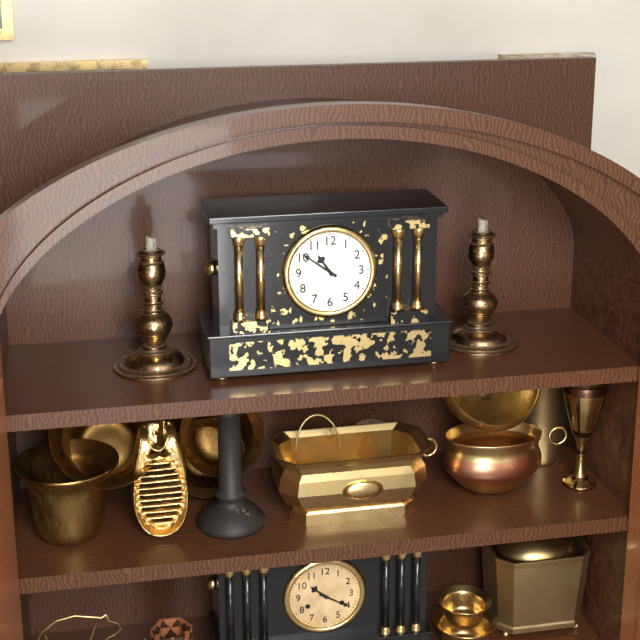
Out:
10 h 51 min
